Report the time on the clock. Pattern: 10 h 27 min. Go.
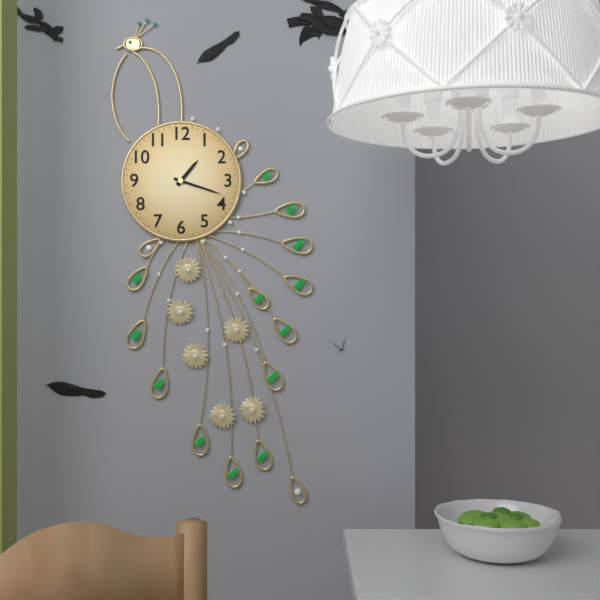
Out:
1 h 18 min
